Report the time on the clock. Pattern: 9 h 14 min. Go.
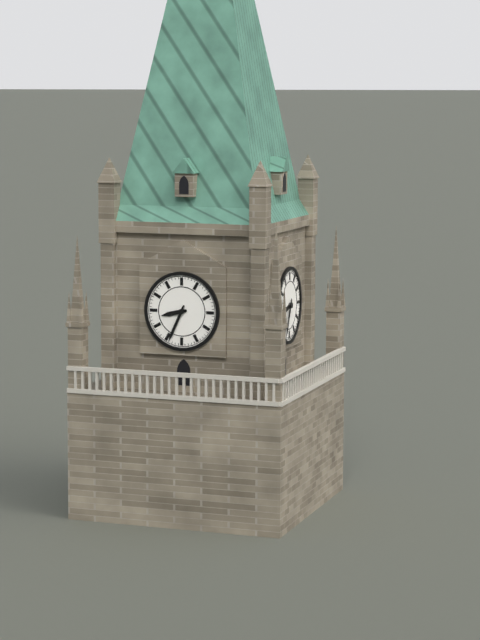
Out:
8 h 34 min
